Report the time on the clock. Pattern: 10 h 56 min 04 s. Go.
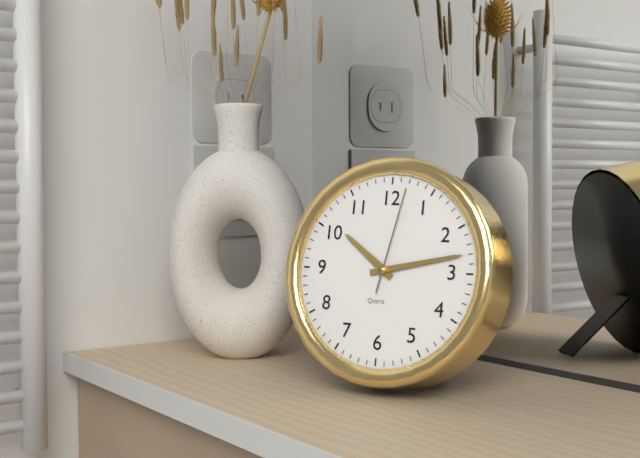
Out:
10 h 13 min 02 s
